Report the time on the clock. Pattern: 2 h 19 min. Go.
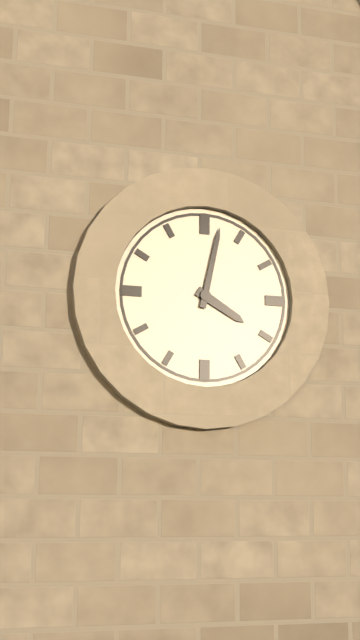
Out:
4 h 02 min
